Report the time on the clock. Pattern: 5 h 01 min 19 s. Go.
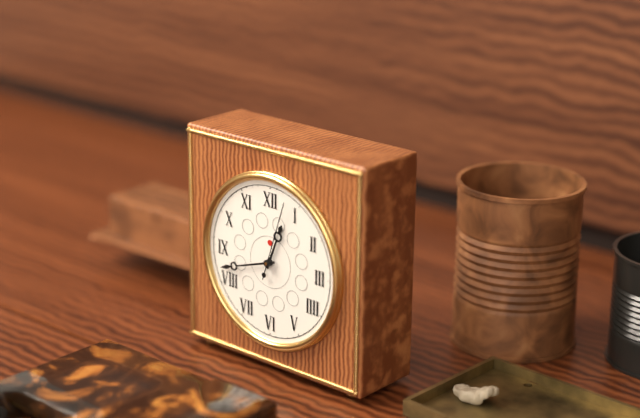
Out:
12 h 42 min 03 s
